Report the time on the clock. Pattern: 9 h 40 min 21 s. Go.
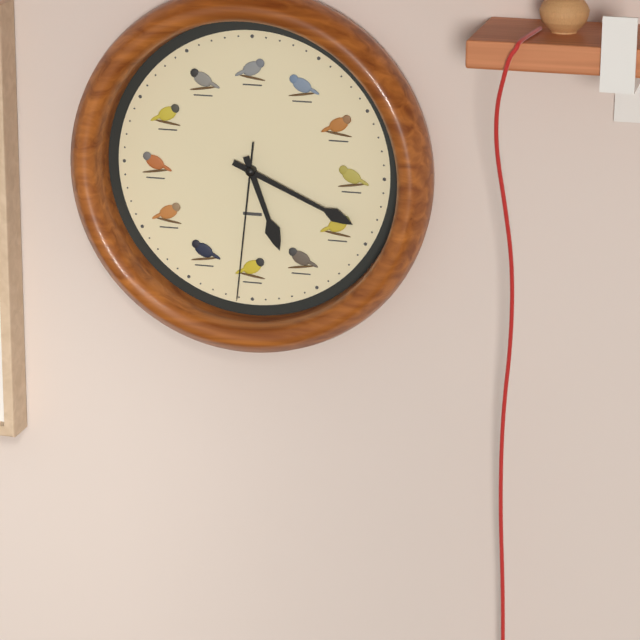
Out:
5 h 19 min 31 s
